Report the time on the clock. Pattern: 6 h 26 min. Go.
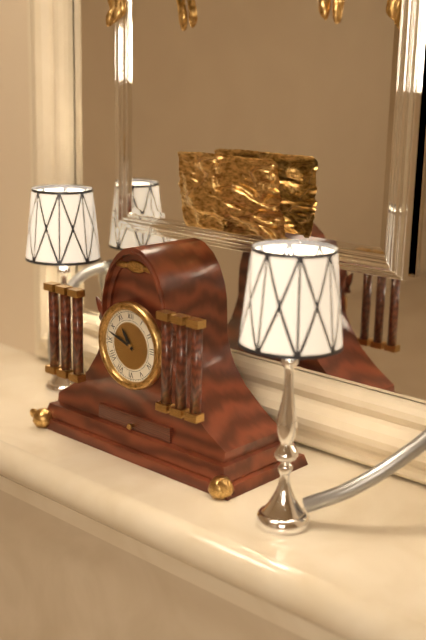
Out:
10 h 48 min
